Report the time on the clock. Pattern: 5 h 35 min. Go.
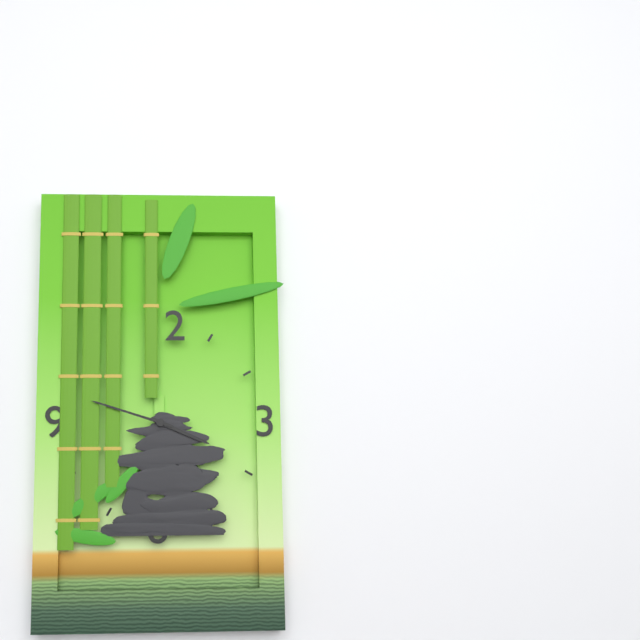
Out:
3 h 48 min
